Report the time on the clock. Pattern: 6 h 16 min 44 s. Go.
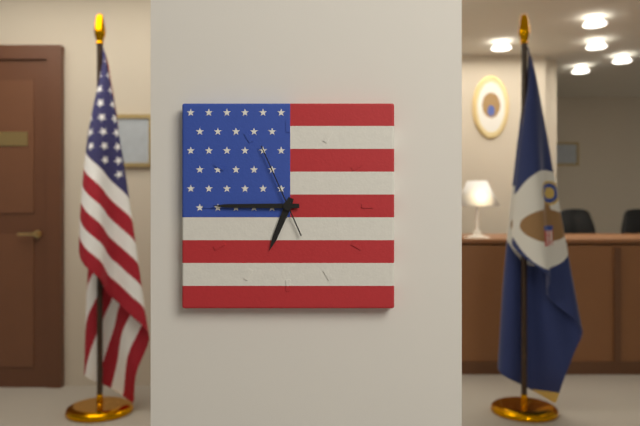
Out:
6 h 45 min 56 s
